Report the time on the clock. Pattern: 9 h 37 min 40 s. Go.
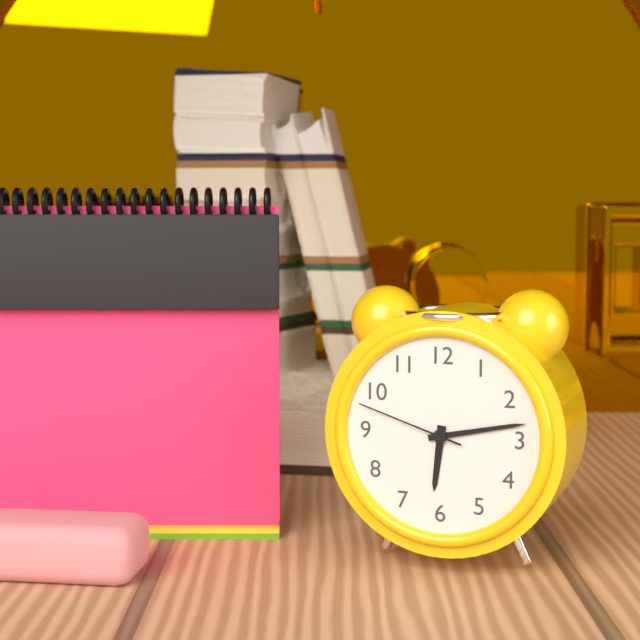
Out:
6 h 13 min 48 s
